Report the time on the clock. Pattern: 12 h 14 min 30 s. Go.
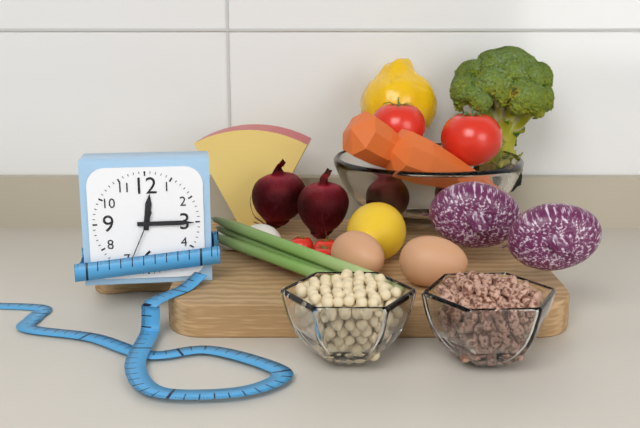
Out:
12 h 15 min 34 s
